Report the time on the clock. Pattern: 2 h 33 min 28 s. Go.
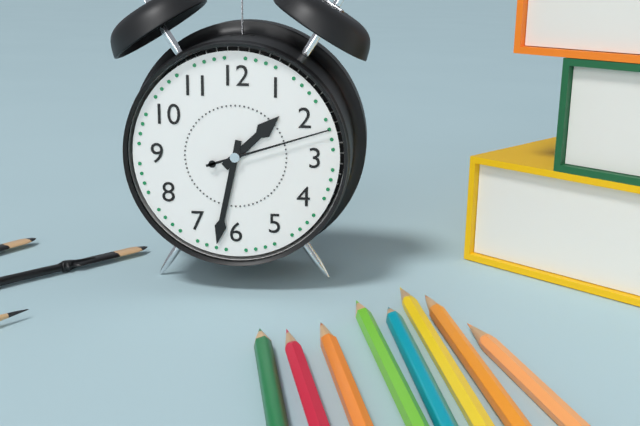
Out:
1 h 32 min 12 s
